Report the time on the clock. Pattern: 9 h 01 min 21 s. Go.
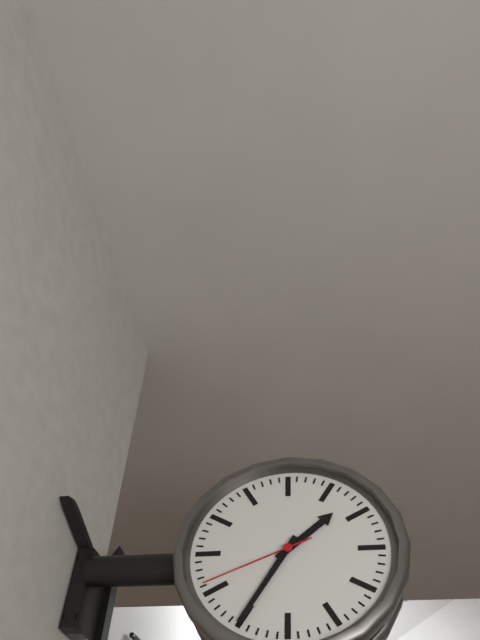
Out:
1 h 35 min 41 s
